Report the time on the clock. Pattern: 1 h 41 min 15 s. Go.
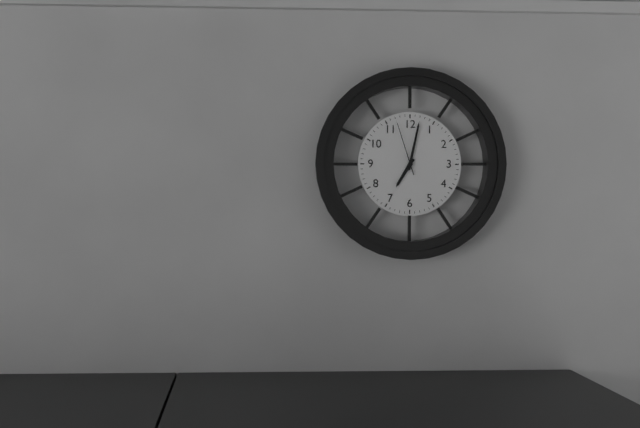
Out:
7 h 02 min 57 s
